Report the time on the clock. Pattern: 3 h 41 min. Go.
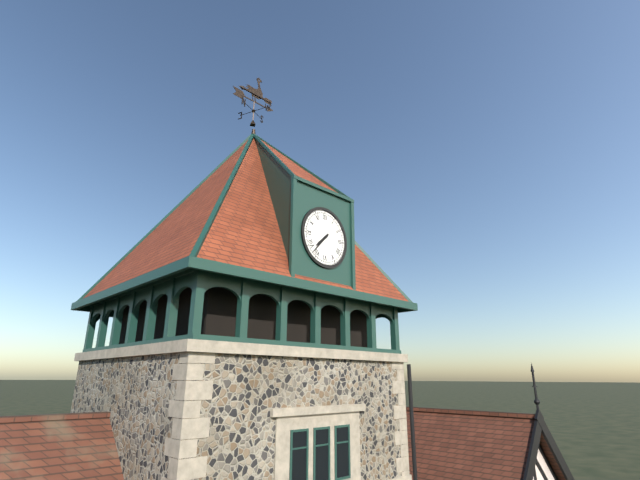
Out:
7 h 37 min
